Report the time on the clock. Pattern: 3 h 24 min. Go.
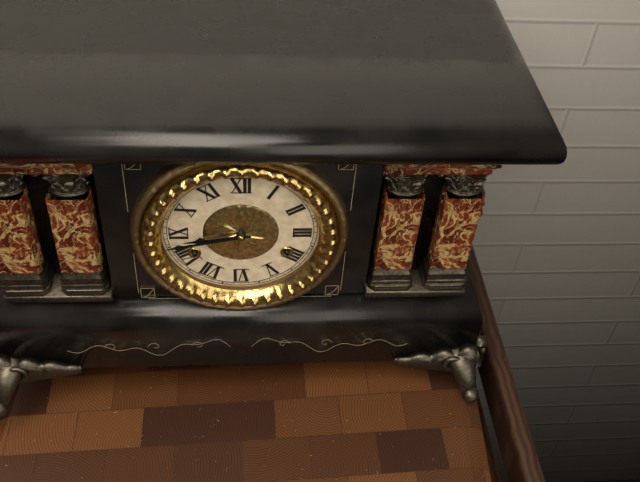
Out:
8 h 43 min
